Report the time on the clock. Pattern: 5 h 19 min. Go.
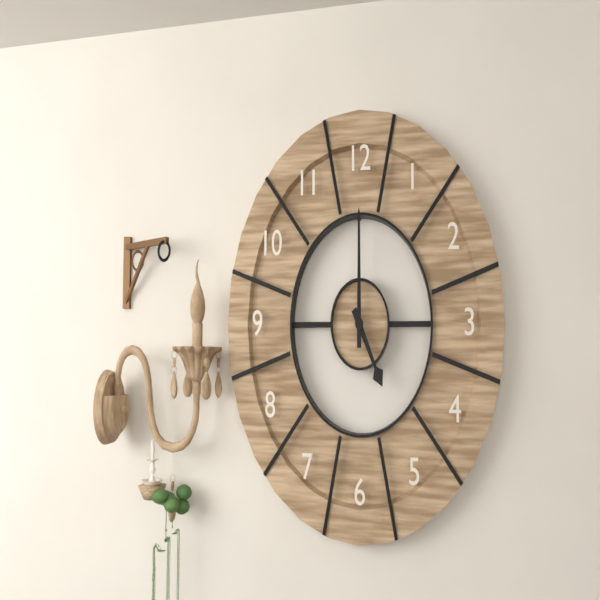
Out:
5 h 00 min
